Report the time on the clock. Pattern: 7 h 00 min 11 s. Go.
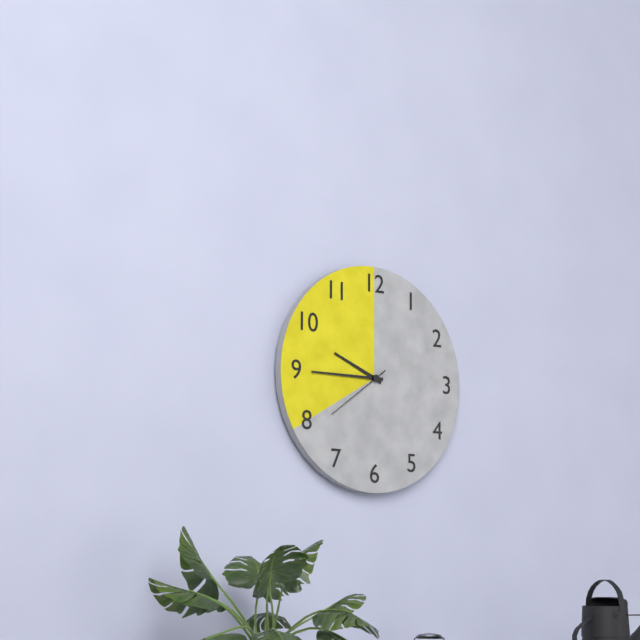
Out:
9 h 45 min 39 s
